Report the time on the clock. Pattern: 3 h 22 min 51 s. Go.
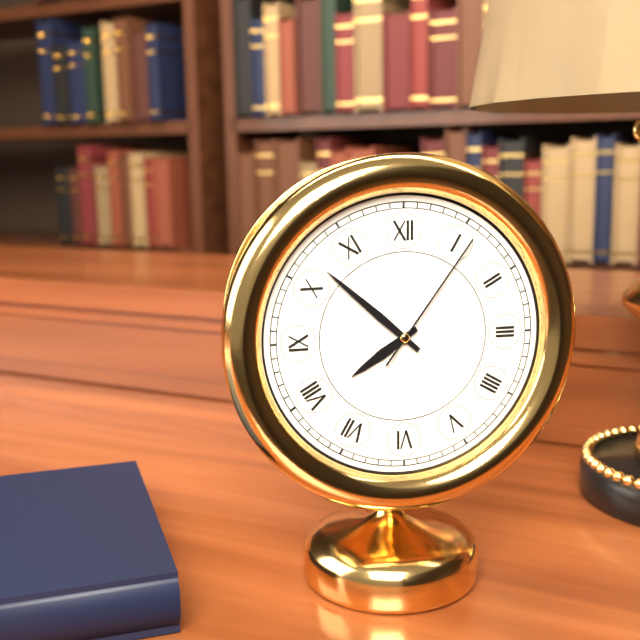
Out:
7 h 52 min 06 s
